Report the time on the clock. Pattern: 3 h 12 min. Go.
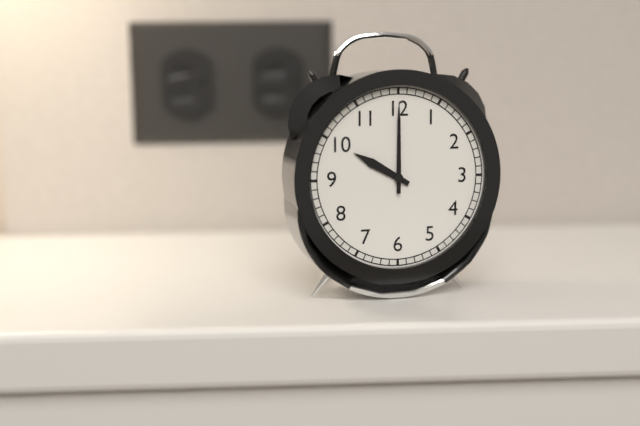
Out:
10 h 00 min
